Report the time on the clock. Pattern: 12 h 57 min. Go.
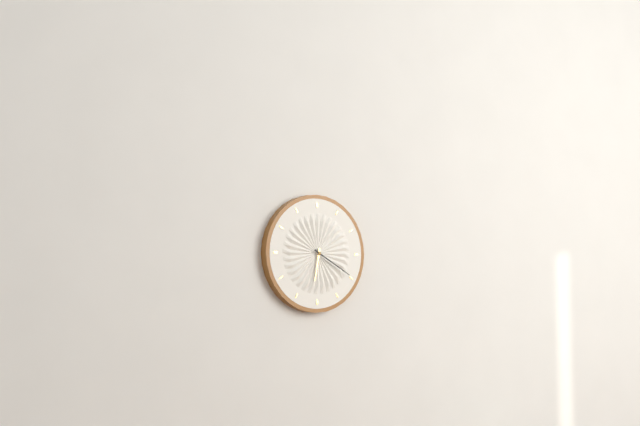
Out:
6 h 20 min
